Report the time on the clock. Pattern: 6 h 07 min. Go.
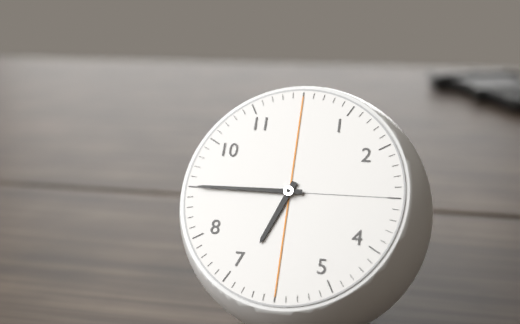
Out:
6 h 45 min
